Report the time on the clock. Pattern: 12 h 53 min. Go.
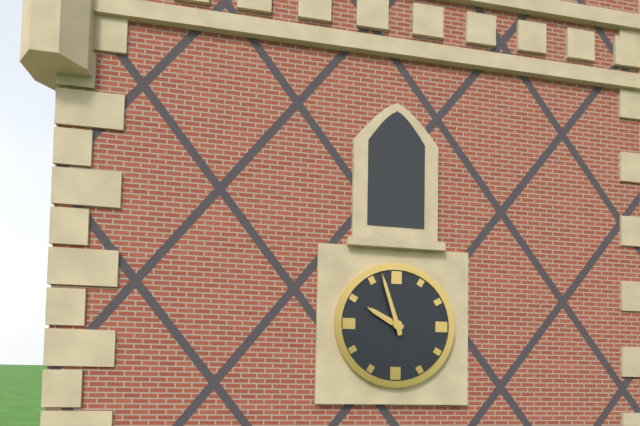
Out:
9 h 57 min
